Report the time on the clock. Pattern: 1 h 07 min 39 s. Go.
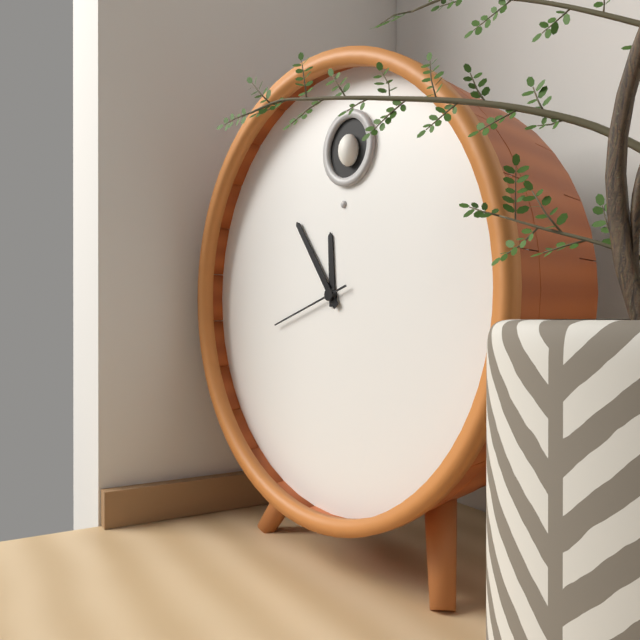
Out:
11 h 54 min 42 s
